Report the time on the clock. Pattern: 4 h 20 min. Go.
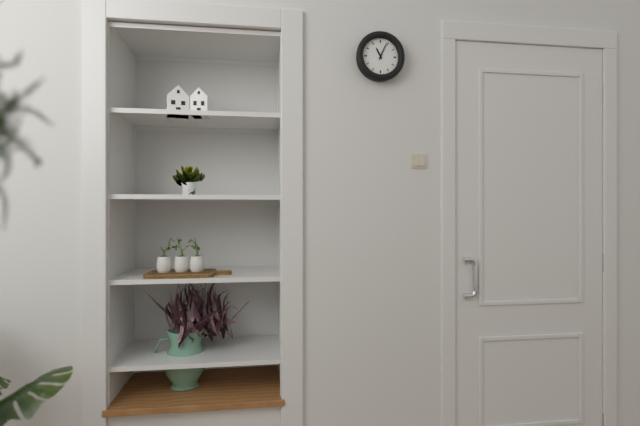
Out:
11 h 04 min
